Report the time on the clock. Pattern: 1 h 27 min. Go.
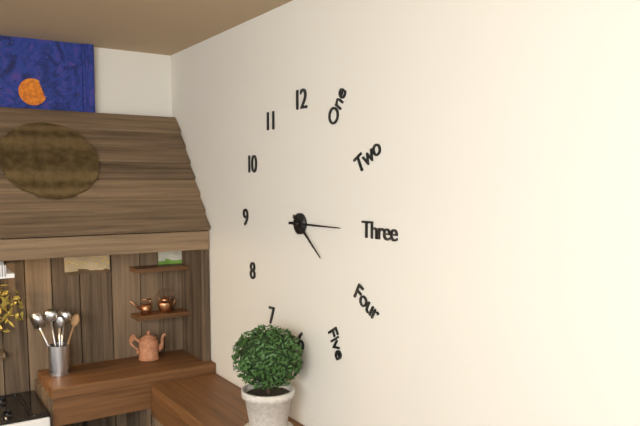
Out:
4 h 15 min
